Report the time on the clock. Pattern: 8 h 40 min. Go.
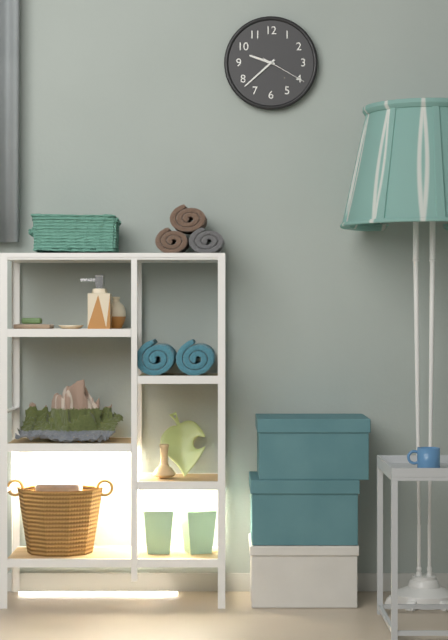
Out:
9 h 38 min
